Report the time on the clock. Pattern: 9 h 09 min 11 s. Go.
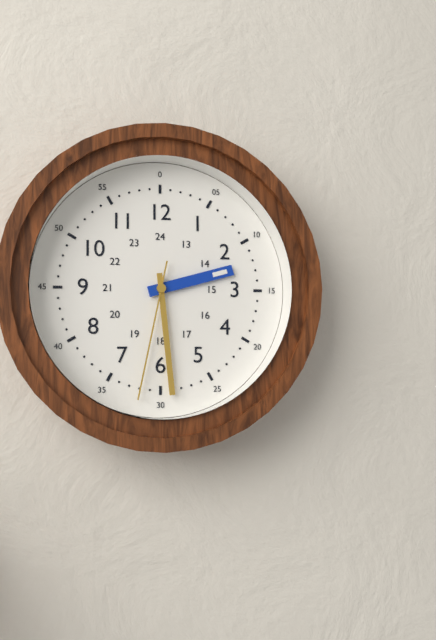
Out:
2 h 29 min 32 s
